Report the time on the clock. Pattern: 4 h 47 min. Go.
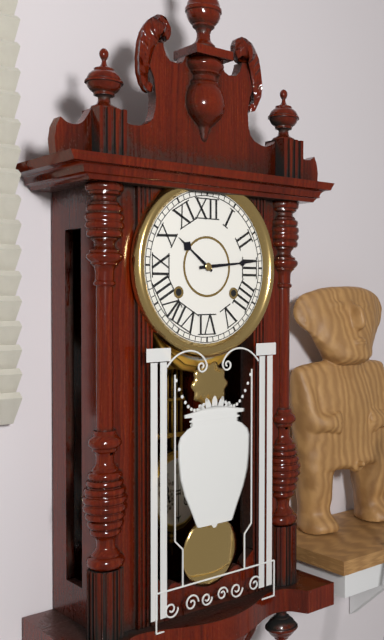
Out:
10 h 14 min
